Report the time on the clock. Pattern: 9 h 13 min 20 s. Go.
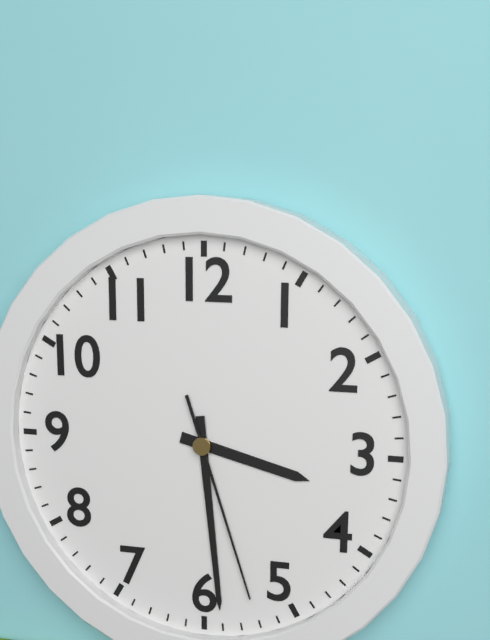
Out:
3 h 29 min 27 s
